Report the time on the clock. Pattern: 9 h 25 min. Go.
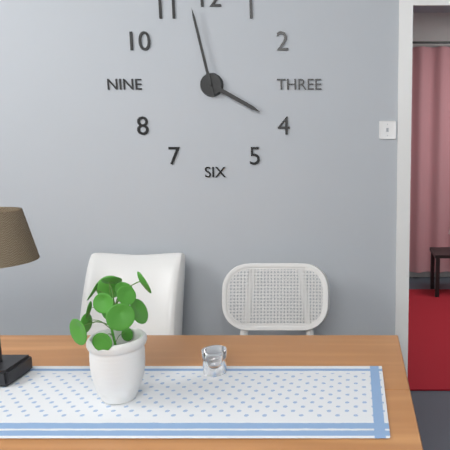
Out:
3 h 58 min
